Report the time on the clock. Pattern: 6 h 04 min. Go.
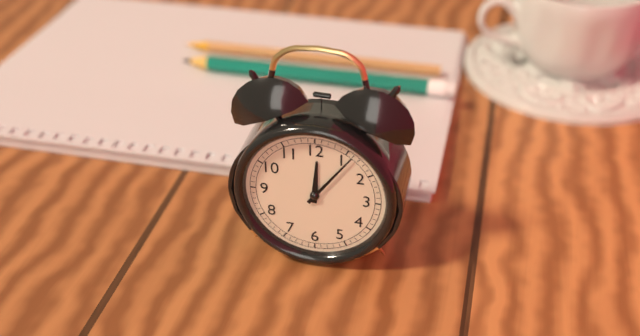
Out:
12 h 06 min
